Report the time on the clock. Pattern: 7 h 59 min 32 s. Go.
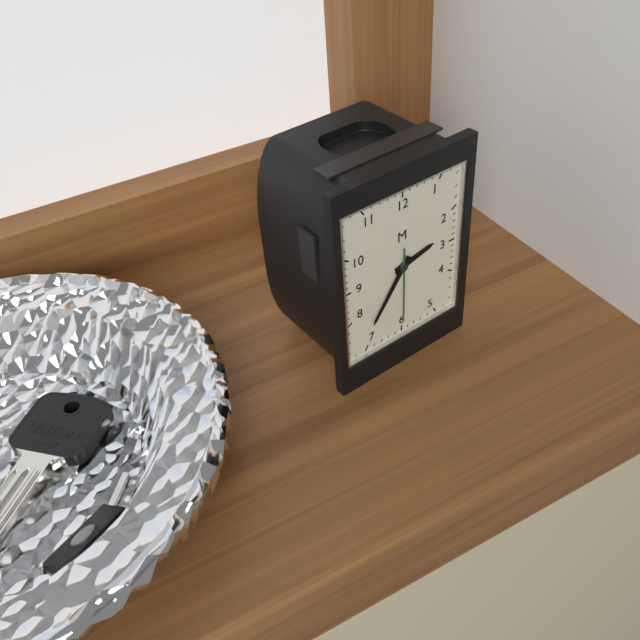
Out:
2 h 36 min 30 s
